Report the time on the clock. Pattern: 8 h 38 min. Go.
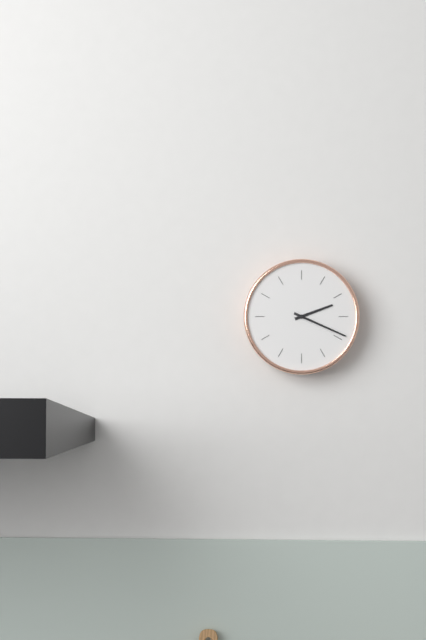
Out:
2 h 19 min
